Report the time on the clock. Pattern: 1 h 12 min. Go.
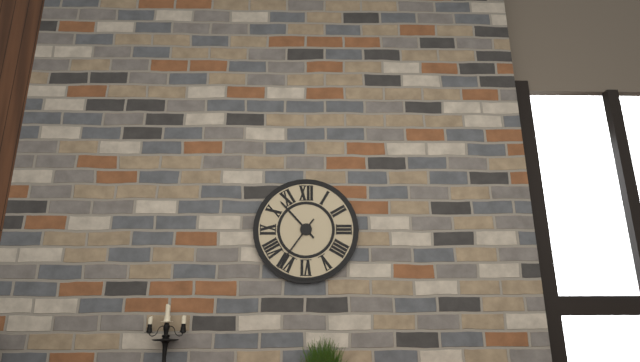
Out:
10 h 36 min
